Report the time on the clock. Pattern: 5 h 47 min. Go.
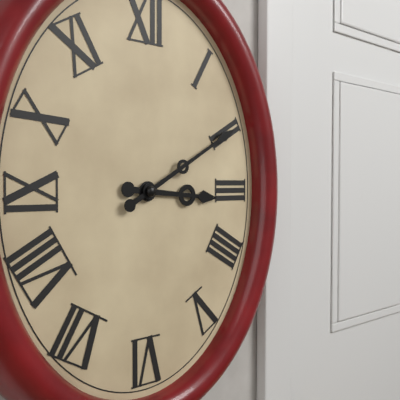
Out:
3 h 10 min
